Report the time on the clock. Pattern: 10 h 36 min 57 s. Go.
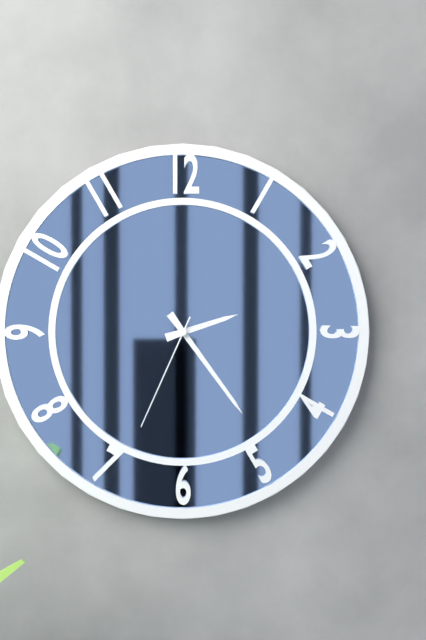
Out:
2 h 24 min 34 s
